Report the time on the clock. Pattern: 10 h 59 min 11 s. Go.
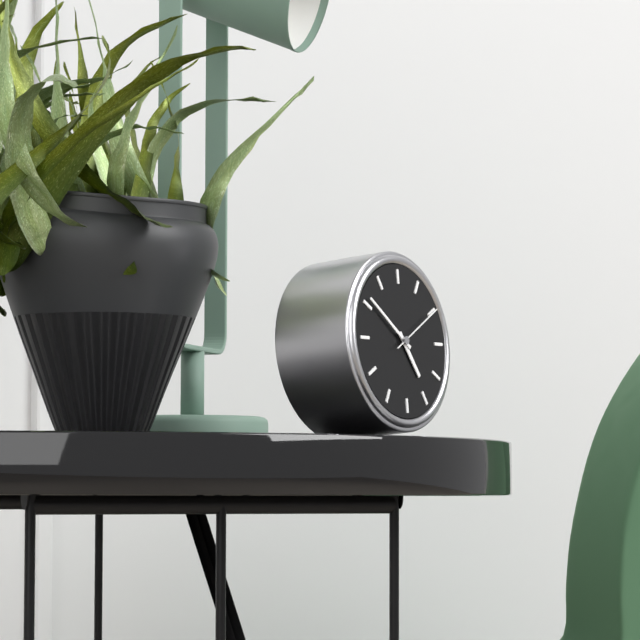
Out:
4 h 51 min 10 s
